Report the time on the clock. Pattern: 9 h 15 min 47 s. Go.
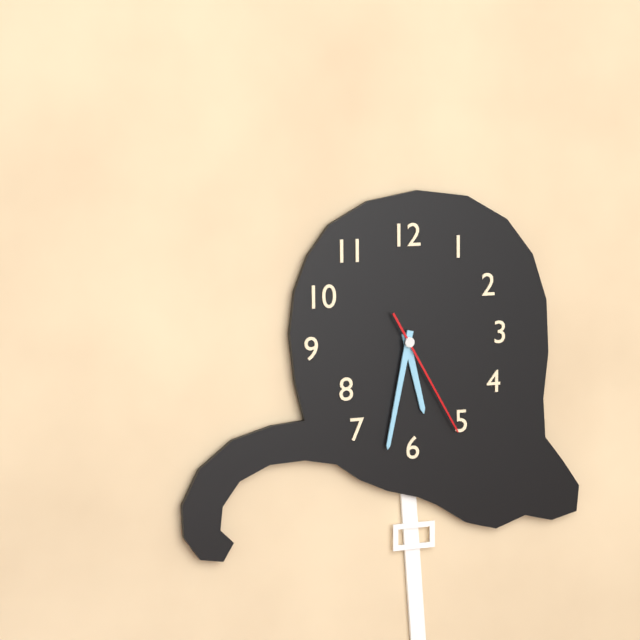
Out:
5 h 32 min 25 s
